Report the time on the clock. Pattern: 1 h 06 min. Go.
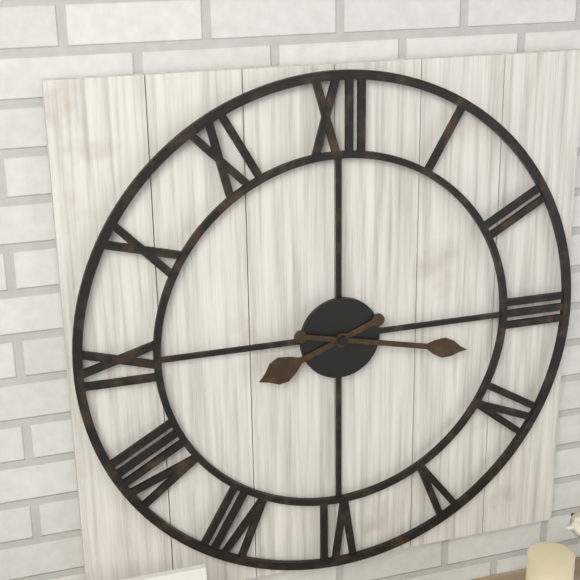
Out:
8 h 17 min
